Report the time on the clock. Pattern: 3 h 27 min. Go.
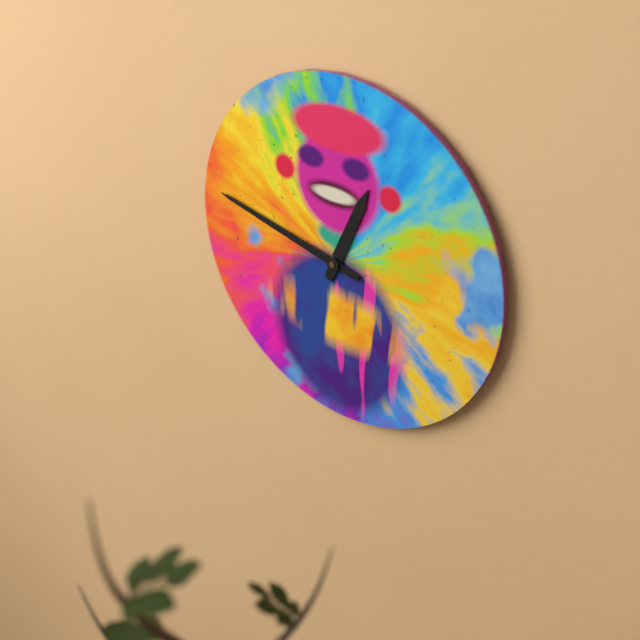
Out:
12 h 47 min
